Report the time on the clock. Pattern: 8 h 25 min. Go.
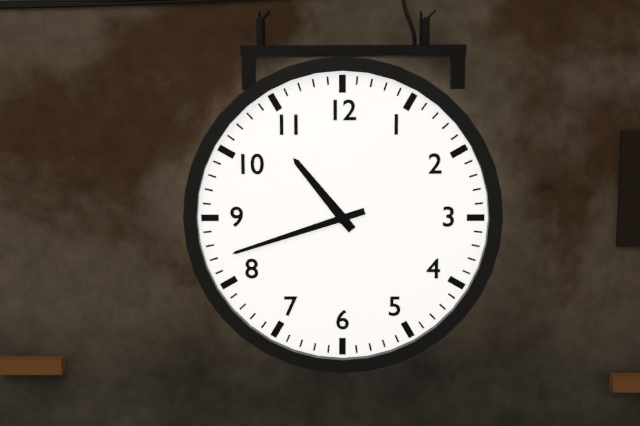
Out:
10 h 42 min
